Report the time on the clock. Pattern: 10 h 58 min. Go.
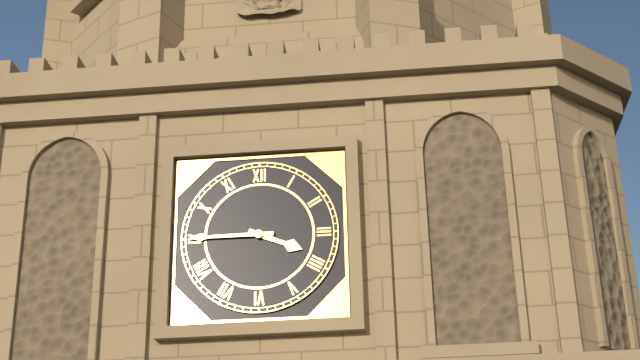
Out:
3 h 45 min
